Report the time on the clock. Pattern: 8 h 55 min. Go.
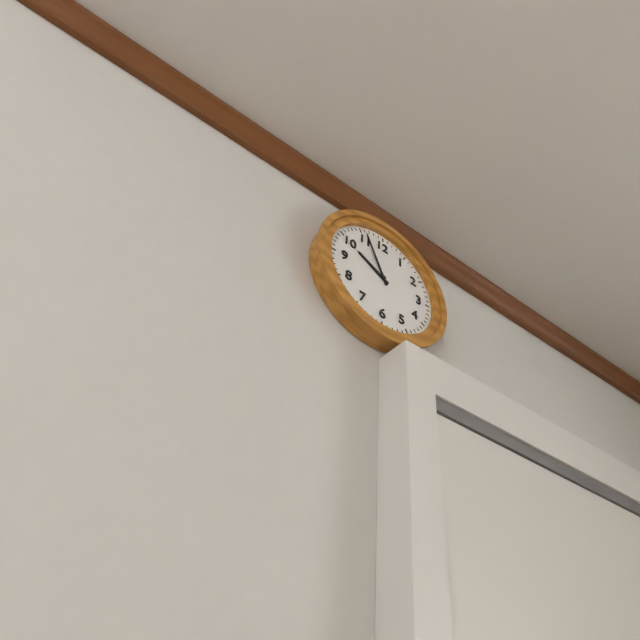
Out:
9 h 56 min
